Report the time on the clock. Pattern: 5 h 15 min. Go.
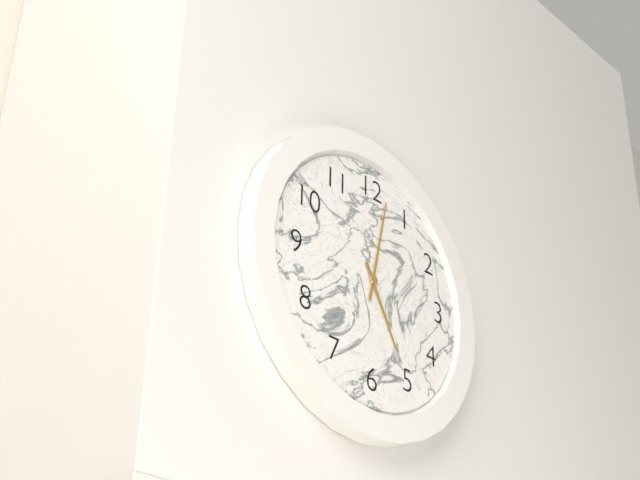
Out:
5 h 02 min
